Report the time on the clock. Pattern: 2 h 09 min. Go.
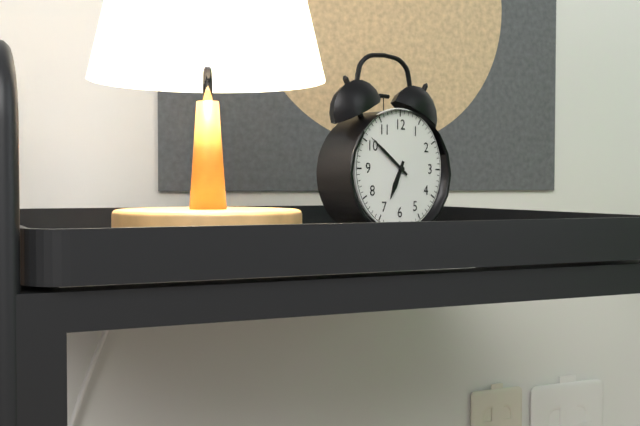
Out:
6 h 51 min
